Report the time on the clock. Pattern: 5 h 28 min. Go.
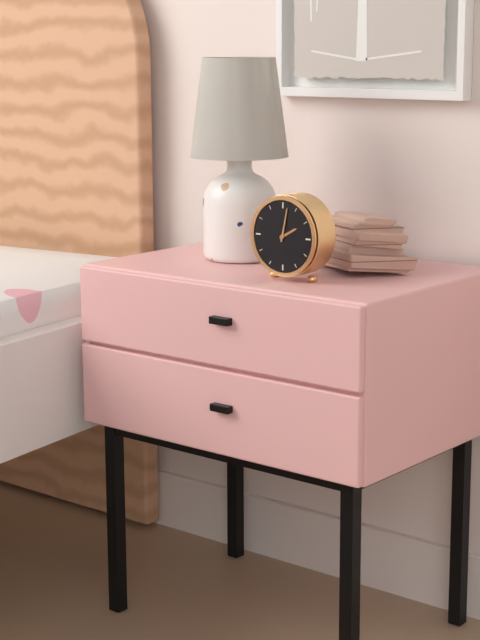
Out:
2 h 02 min
